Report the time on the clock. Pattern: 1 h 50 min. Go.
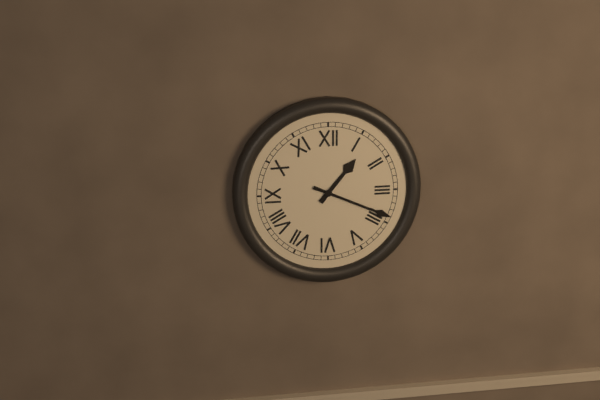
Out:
1 h 19 min
